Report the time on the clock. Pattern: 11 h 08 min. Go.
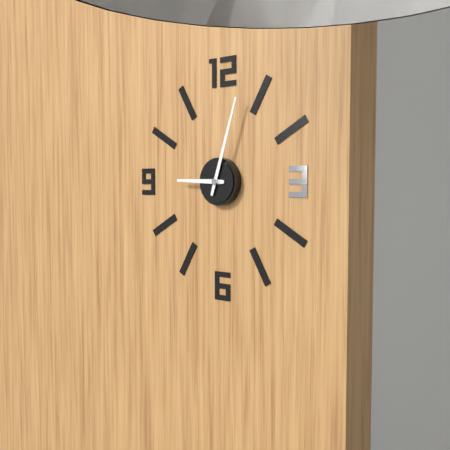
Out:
9 h 03 min
